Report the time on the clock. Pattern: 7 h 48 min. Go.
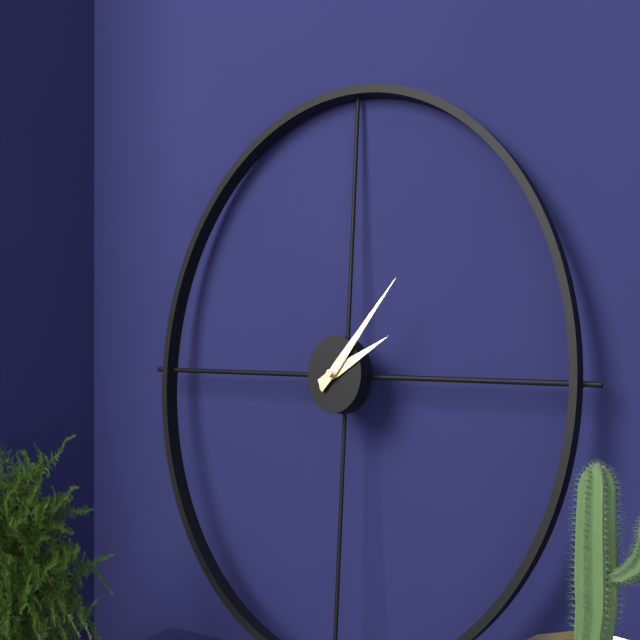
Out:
2 h 07 min
